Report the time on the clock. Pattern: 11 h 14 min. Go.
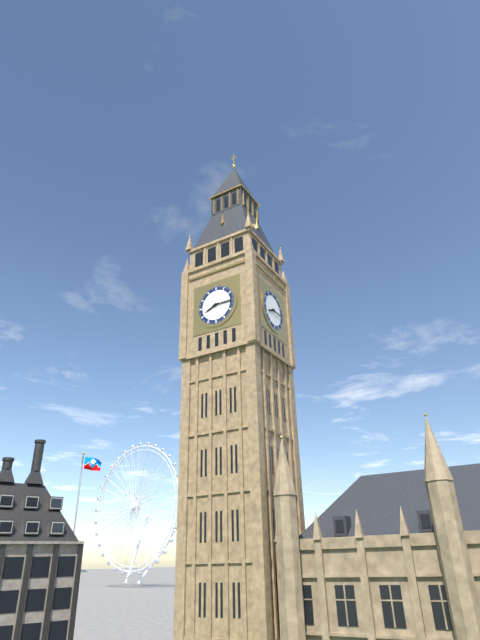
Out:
8 h 15 min
